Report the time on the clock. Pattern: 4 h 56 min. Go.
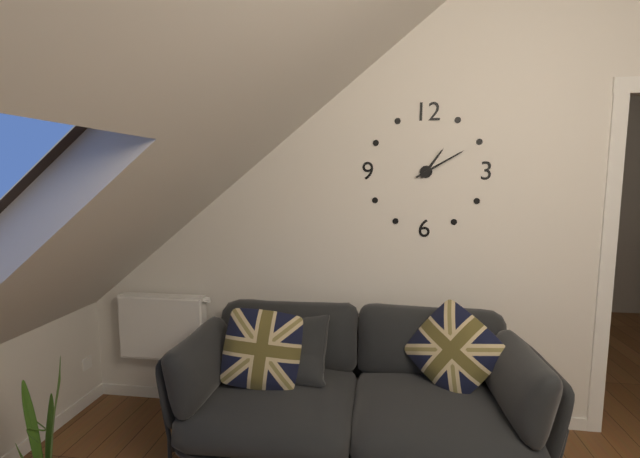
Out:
1 h 10 min
